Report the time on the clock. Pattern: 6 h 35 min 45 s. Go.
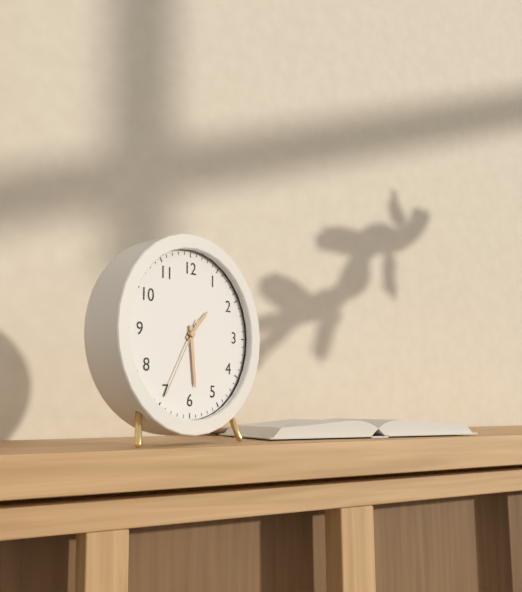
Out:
1 h 29 min 35 s
